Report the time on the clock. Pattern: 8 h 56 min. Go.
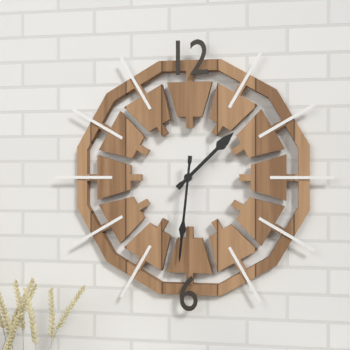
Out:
1 h 31 min
